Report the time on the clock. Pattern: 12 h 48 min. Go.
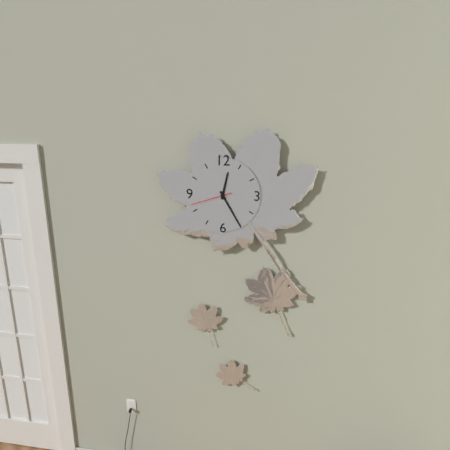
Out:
12 h 25 min
